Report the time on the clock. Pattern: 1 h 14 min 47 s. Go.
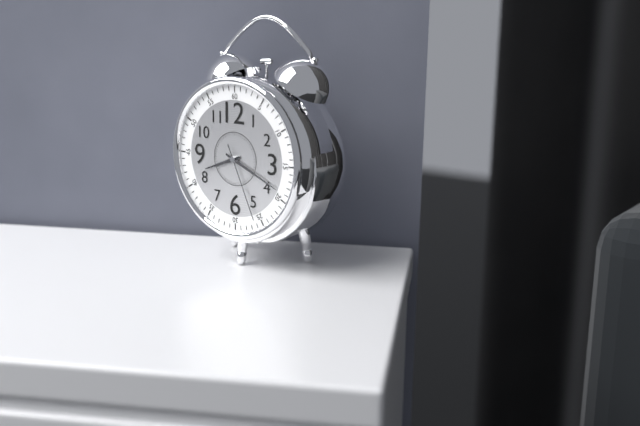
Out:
8 h 19 min 26 s
